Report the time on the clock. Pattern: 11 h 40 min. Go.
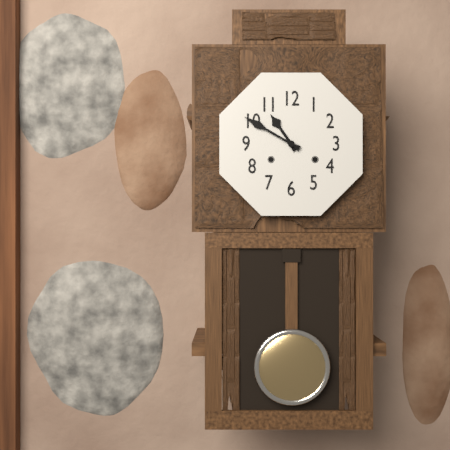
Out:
10 h 50 min
